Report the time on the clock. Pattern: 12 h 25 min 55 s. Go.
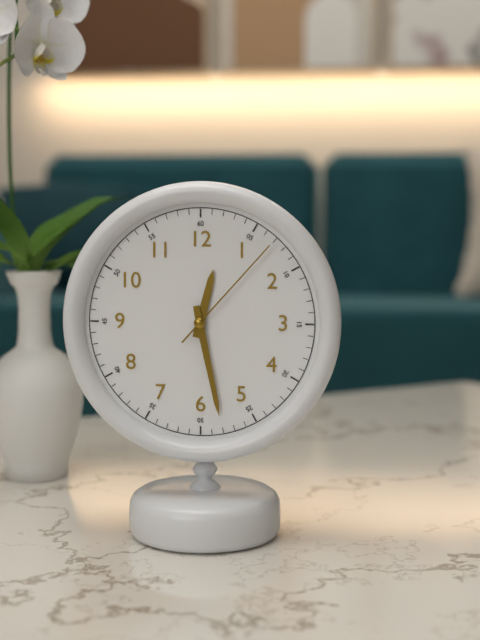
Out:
12 h 28 min 07 s
